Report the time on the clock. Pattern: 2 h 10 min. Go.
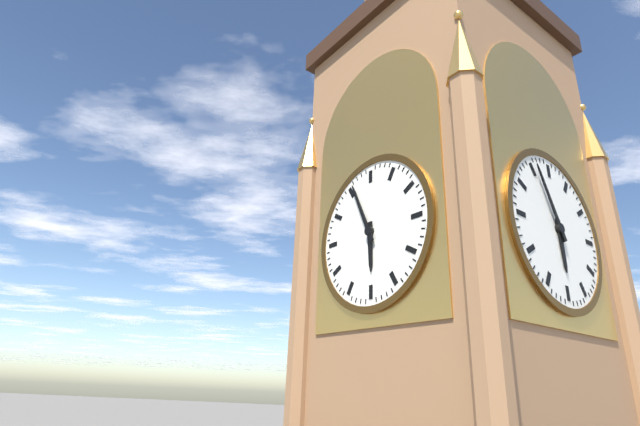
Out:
5 h 56 min
